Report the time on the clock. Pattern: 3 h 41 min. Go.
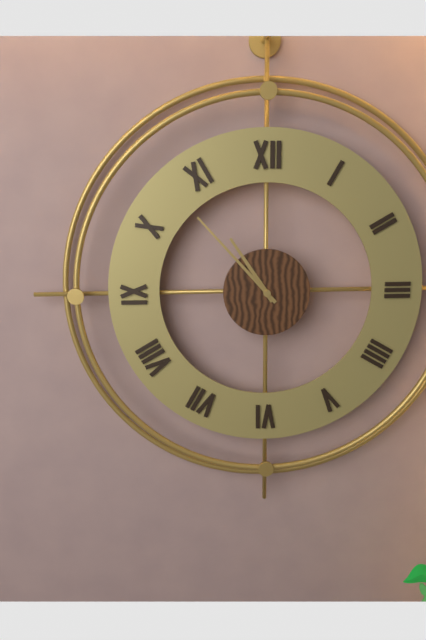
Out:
10 h 53 min
